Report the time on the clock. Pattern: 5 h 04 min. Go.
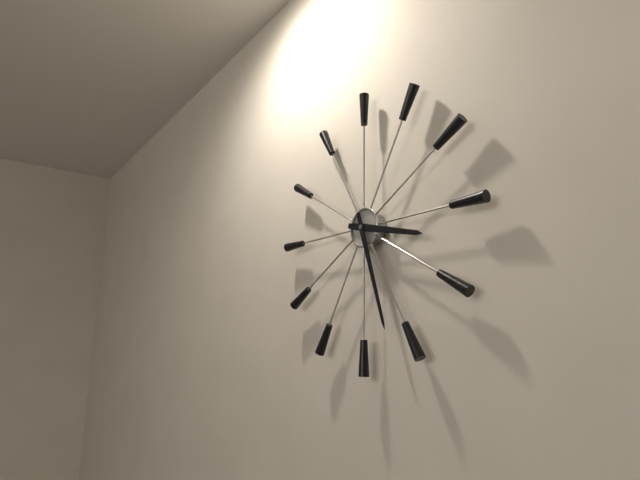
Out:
3 h 27 min
